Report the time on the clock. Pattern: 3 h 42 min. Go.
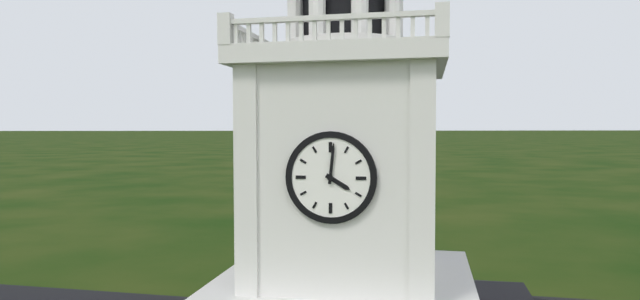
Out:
4 h 01 min
